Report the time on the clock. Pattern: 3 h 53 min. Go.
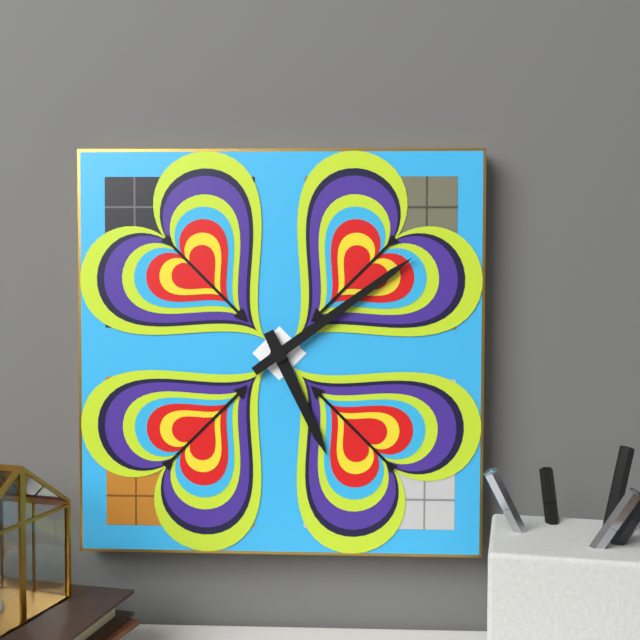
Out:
5 h 09 min
